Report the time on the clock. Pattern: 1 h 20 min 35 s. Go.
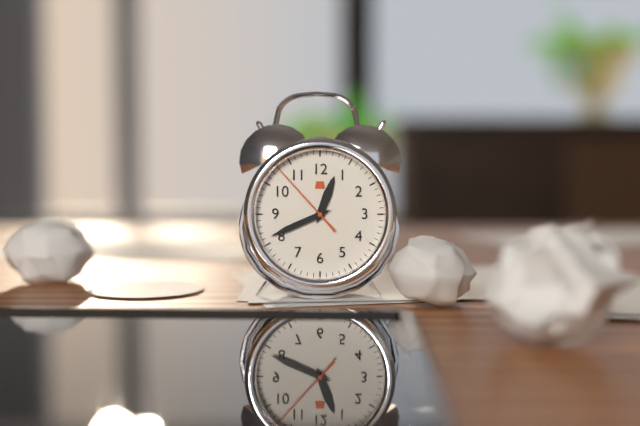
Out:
12 h 41 min 53 s
